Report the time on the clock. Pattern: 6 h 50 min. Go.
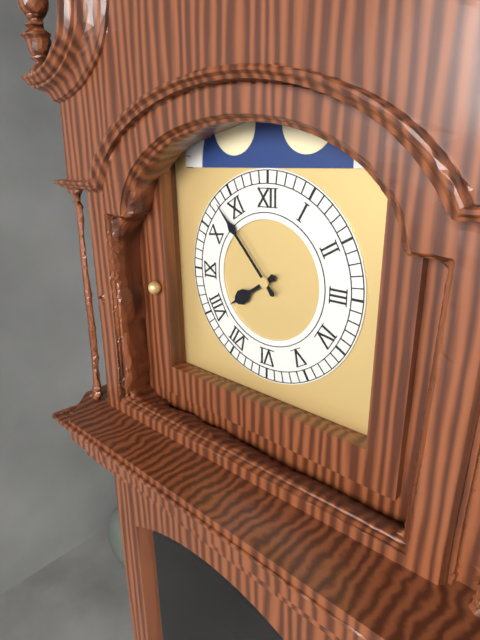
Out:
7 h 53 min
